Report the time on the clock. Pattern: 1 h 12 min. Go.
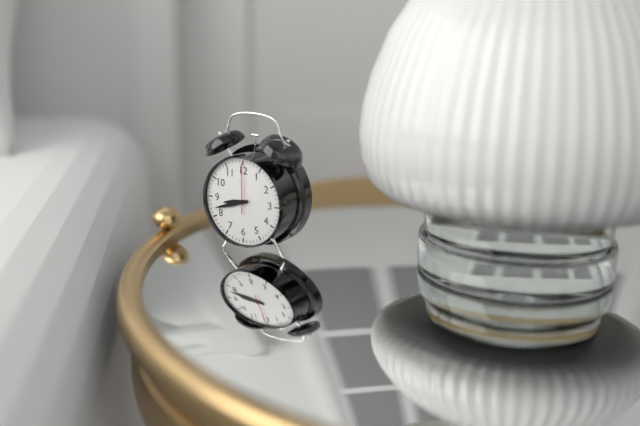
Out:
8 h 42 min
